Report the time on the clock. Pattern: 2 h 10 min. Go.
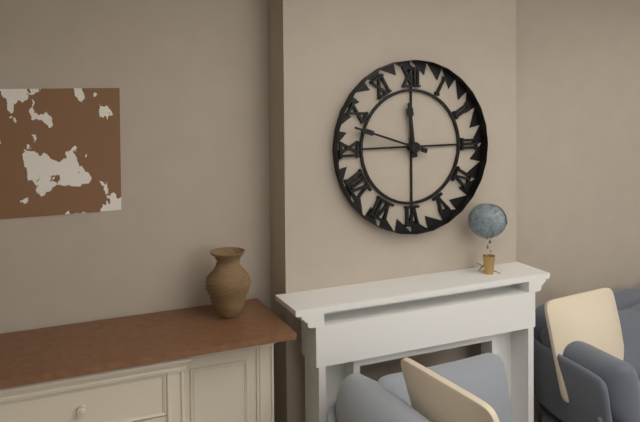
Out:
11 h 48 min
